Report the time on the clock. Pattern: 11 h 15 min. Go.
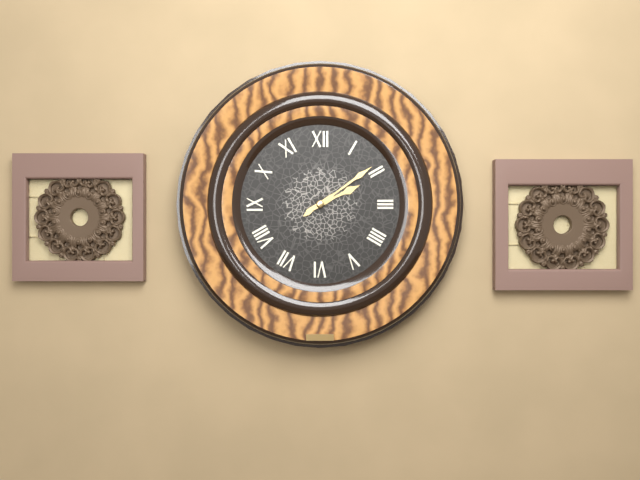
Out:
2 h 09 min
